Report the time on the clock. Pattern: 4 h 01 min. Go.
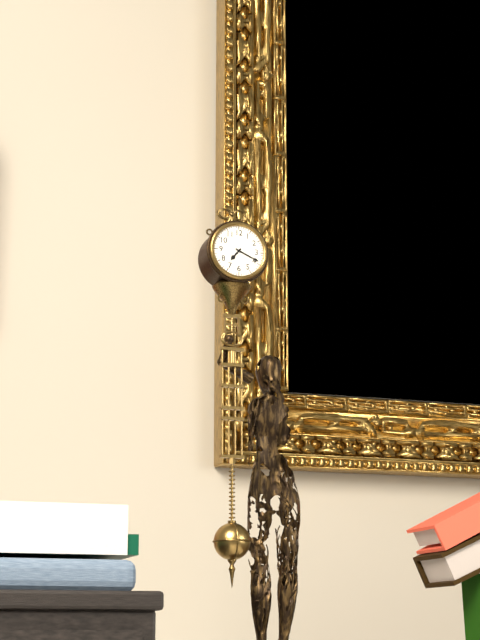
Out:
7 h 19 min
